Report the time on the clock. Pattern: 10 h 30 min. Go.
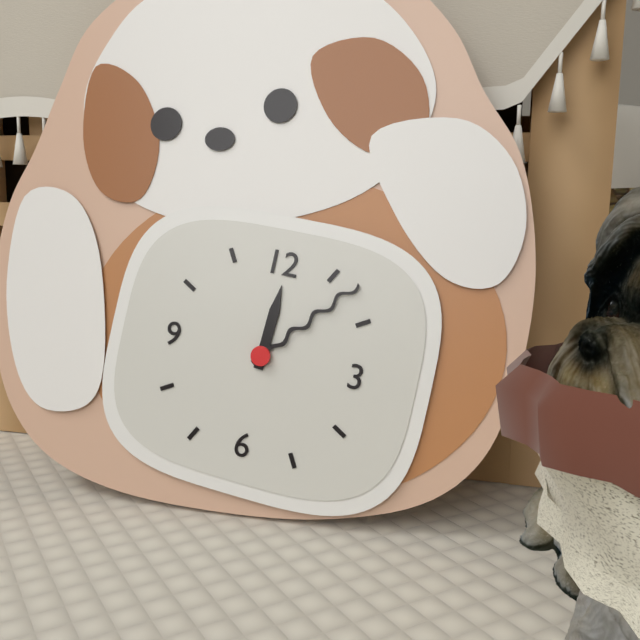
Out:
12 h 07 min
